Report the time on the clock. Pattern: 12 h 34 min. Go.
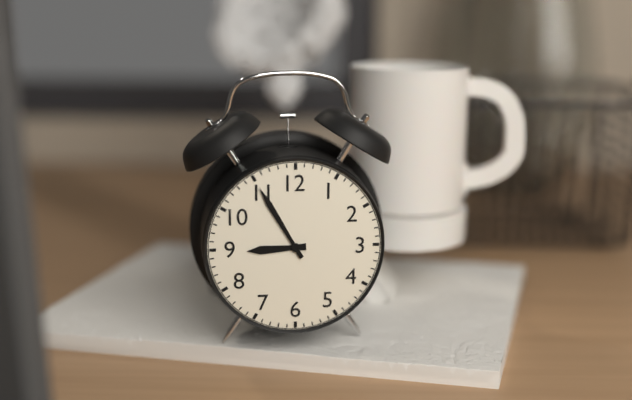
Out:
8 h 55 min
